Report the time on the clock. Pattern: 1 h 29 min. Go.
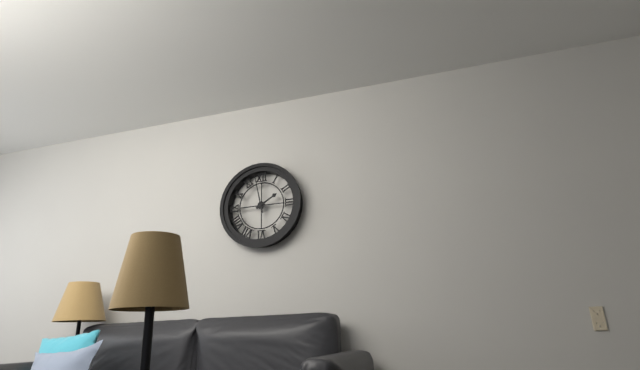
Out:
1 h 58 min
